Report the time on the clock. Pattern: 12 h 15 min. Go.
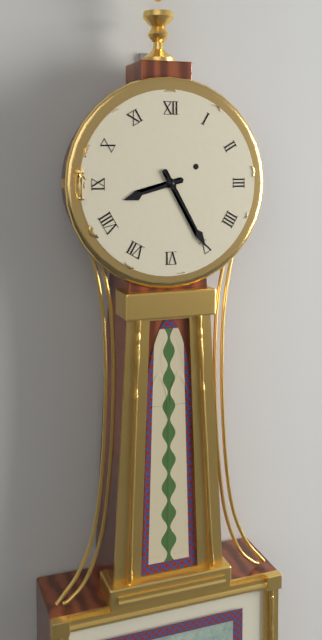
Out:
8 h 25 min
